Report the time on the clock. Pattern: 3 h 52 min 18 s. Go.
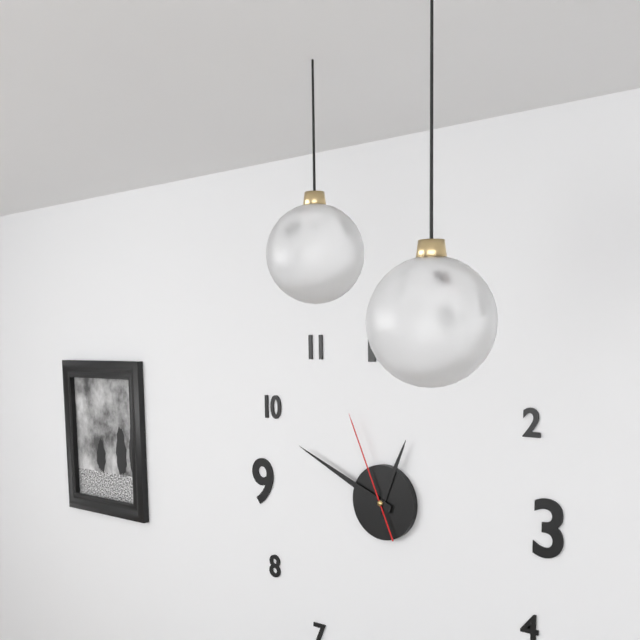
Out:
12 h 49 min 56 s
